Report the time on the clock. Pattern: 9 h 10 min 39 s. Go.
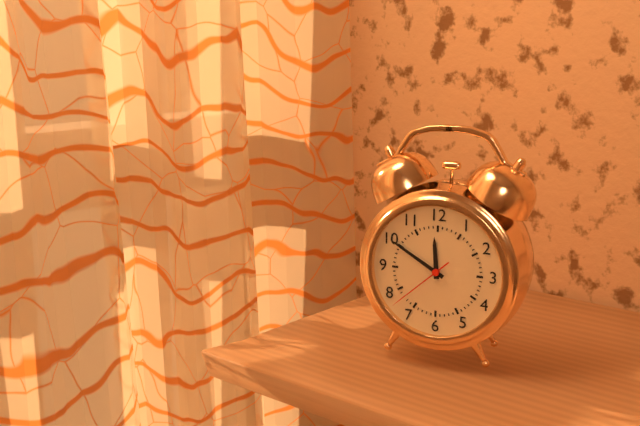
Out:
11 h 50 min 38 s
